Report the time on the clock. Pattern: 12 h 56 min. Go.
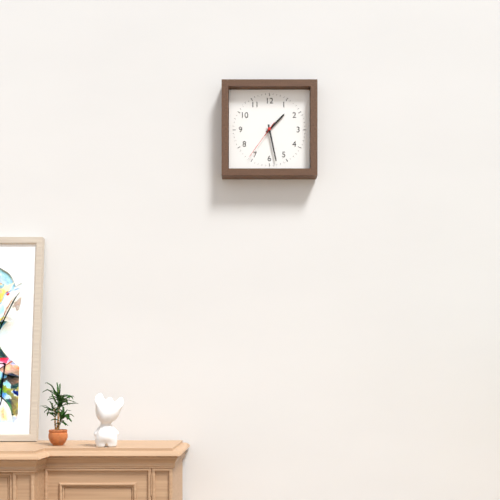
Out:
1 h 28 min
